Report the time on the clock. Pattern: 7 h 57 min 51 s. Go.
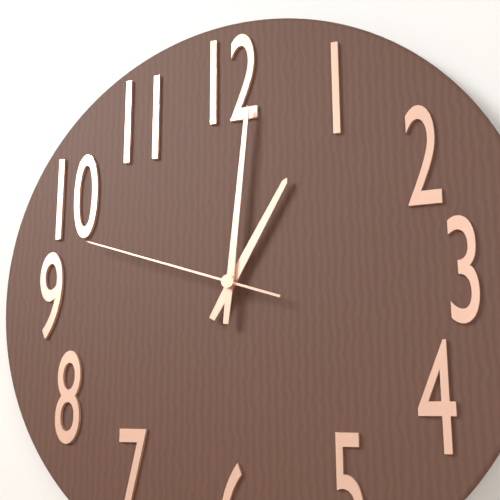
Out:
1 h 01 min 48 s
